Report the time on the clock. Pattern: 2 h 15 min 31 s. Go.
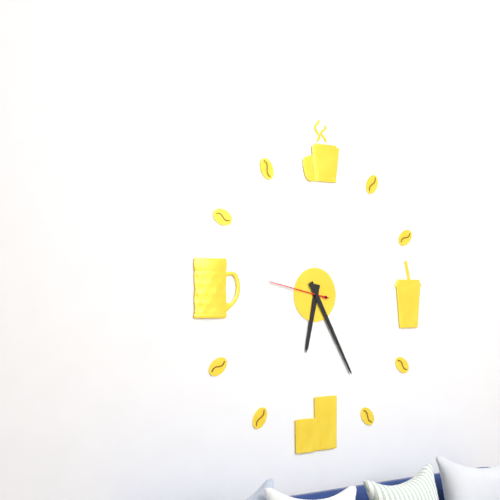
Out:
6 h 25 min 47 s
